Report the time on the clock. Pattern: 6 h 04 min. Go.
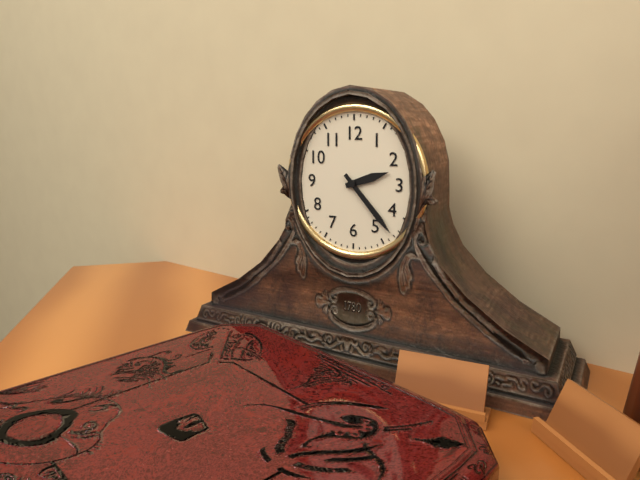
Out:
2 h 23 min
